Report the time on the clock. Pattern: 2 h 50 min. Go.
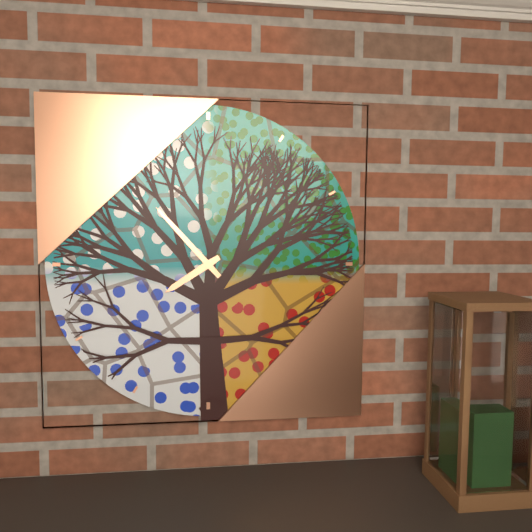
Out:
7 h 53 min
